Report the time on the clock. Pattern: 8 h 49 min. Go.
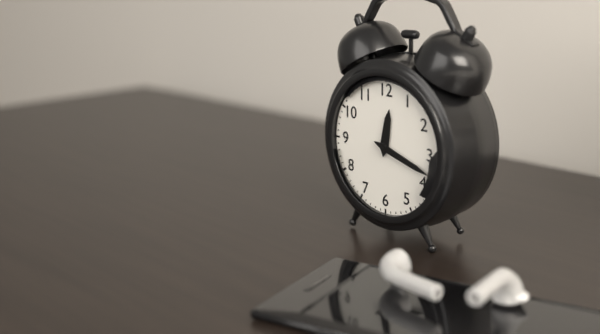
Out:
12 h 18 min
